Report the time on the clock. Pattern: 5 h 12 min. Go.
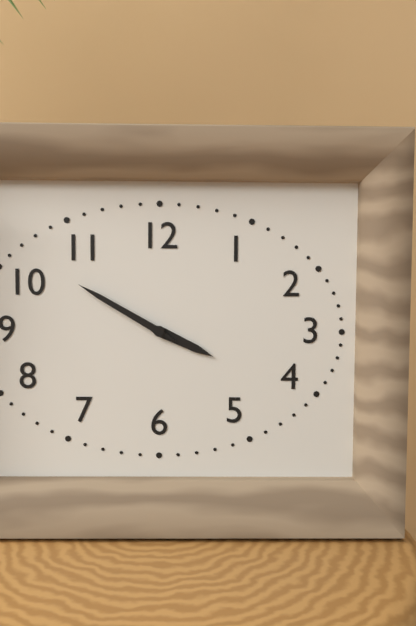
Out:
3 h 50 min
